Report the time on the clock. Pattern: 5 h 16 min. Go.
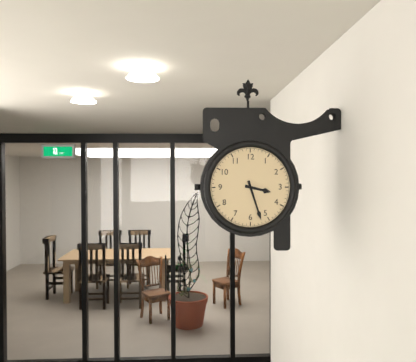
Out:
3 h 27 min
